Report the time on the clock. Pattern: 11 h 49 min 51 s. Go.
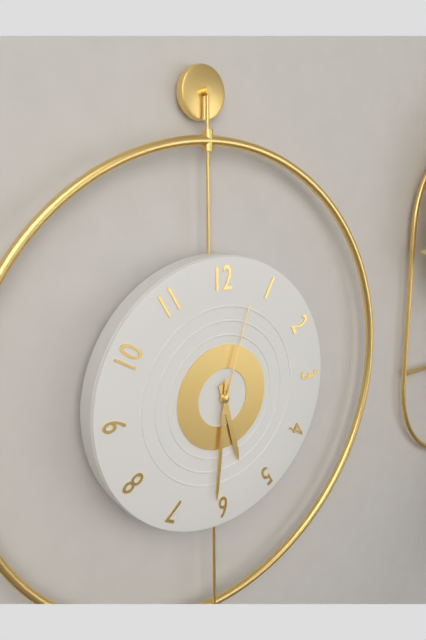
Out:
5 h 31 min 03 s
